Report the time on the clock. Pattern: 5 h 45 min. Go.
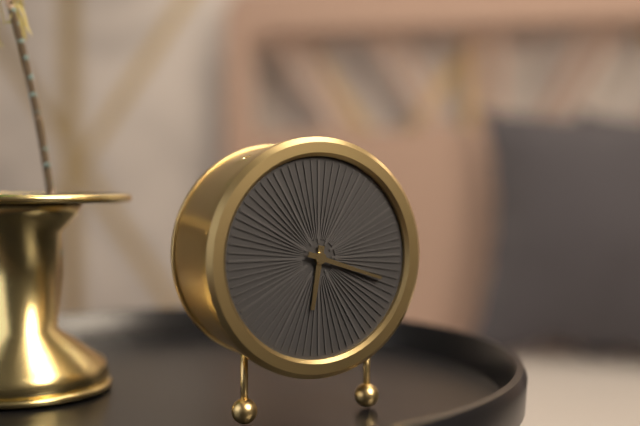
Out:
6 h 18 min
